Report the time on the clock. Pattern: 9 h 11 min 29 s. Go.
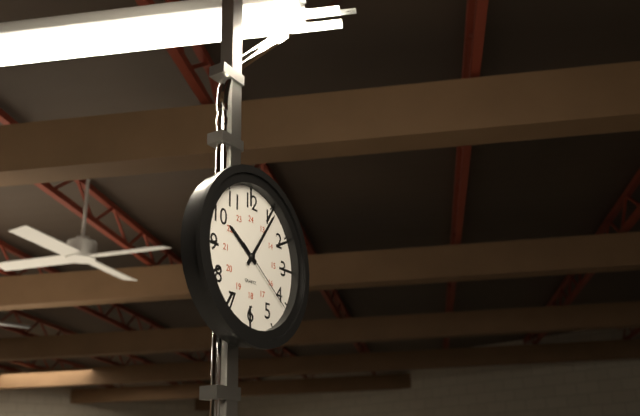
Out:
10 h 06 min 21 s
